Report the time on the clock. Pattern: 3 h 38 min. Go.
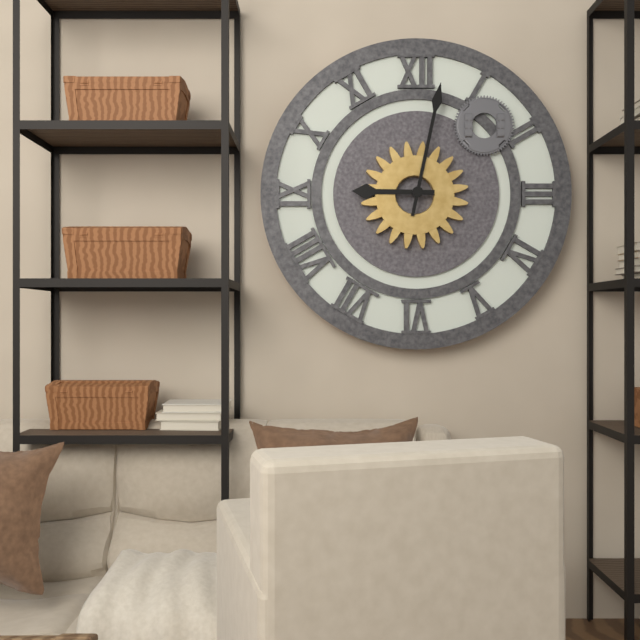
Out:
9 h 02 min
